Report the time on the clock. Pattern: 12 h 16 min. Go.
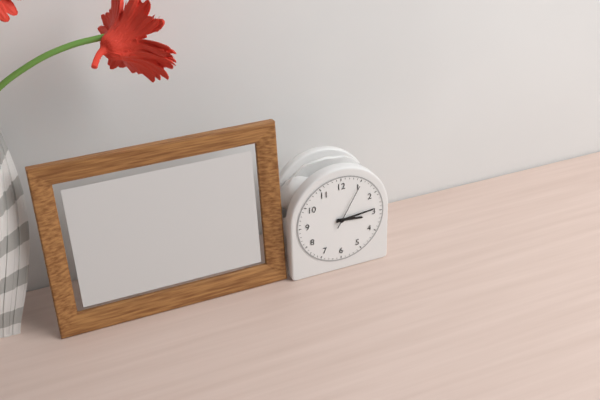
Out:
3 h 14 min
